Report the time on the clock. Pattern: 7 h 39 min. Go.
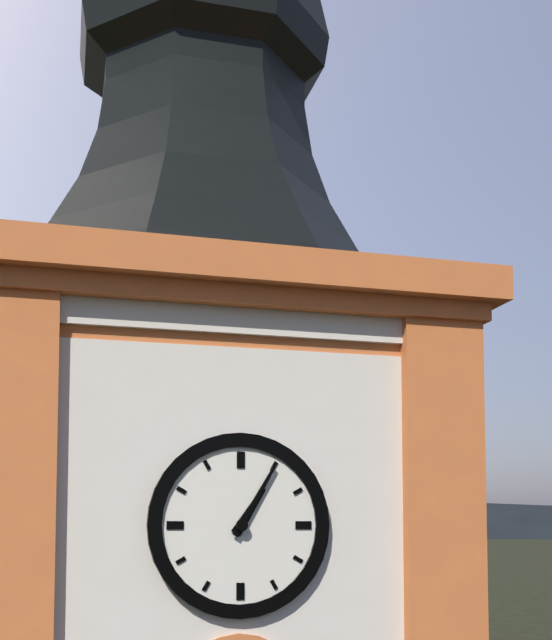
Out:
1 h 05 min
